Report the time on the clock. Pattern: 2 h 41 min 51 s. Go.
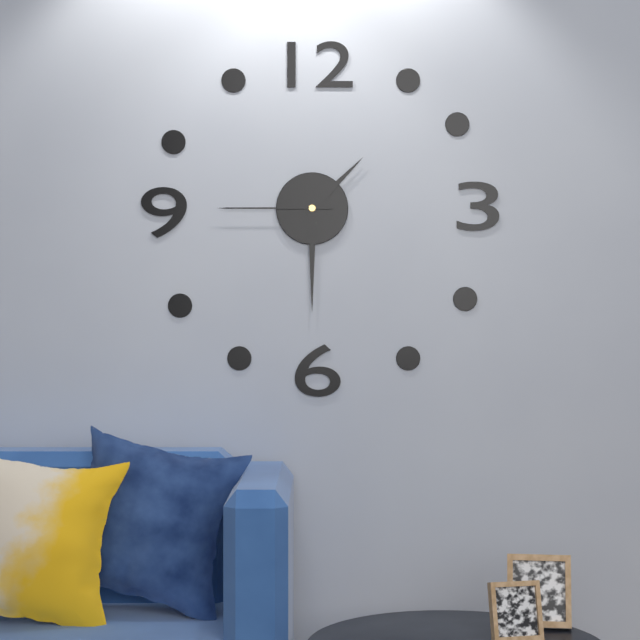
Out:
1 h 30 min 45 s
